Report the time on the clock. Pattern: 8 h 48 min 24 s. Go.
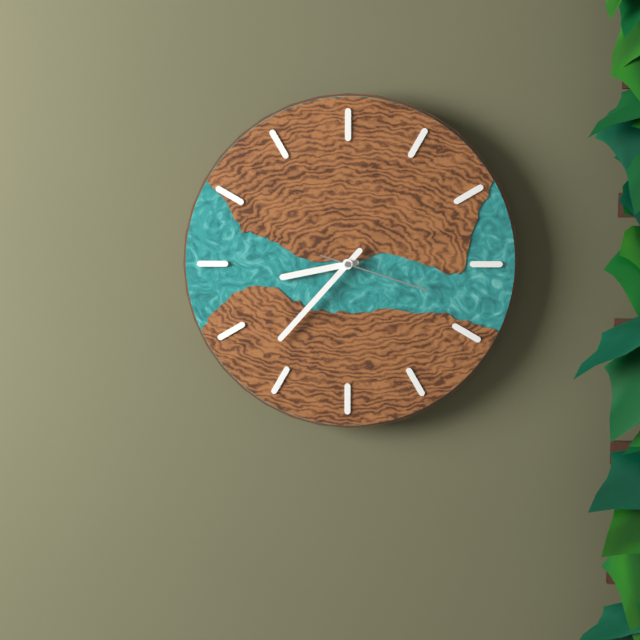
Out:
8 h 37 min 18 s
